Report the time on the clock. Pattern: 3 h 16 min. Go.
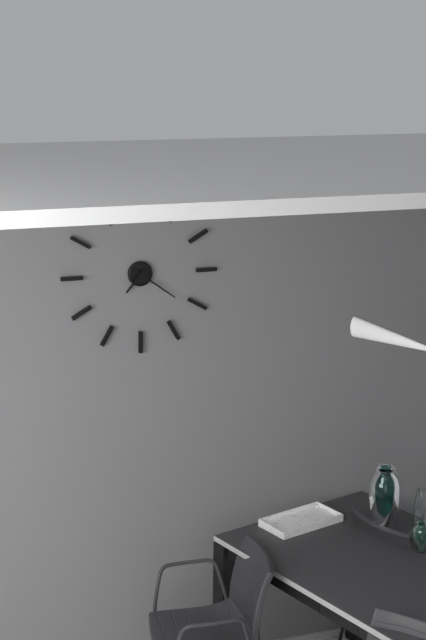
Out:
7 h 21 min
